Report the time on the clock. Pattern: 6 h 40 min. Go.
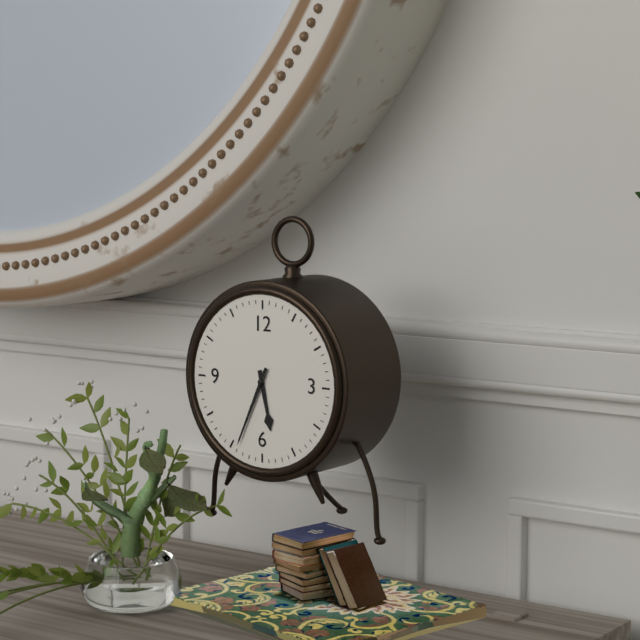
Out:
5 h 34 min
